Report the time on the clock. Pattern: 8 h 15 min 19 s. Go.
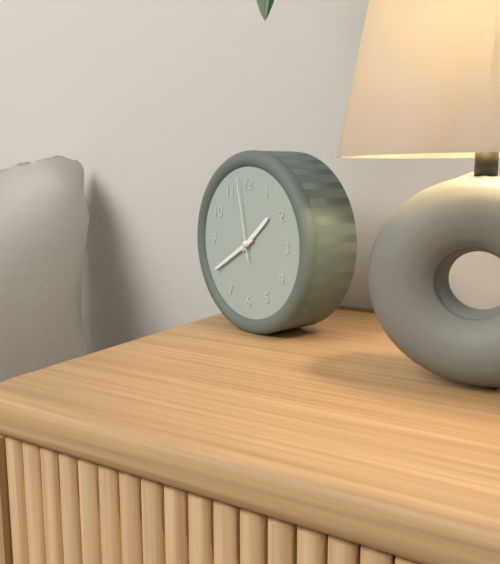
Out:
1 h 40 min 58 s
